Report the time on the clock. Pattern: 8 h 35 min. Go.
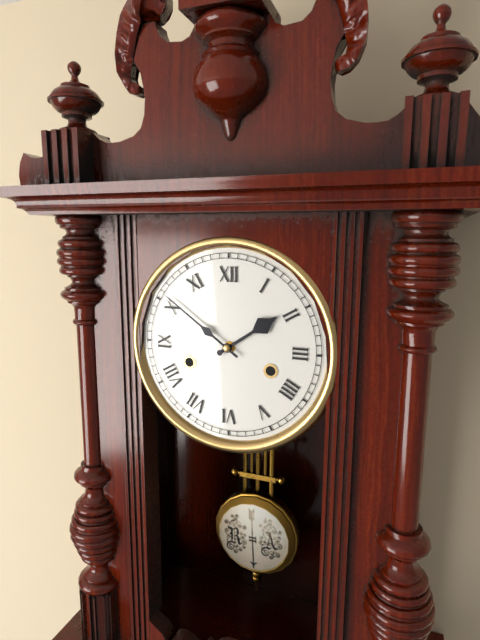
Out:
1 h 51 min
